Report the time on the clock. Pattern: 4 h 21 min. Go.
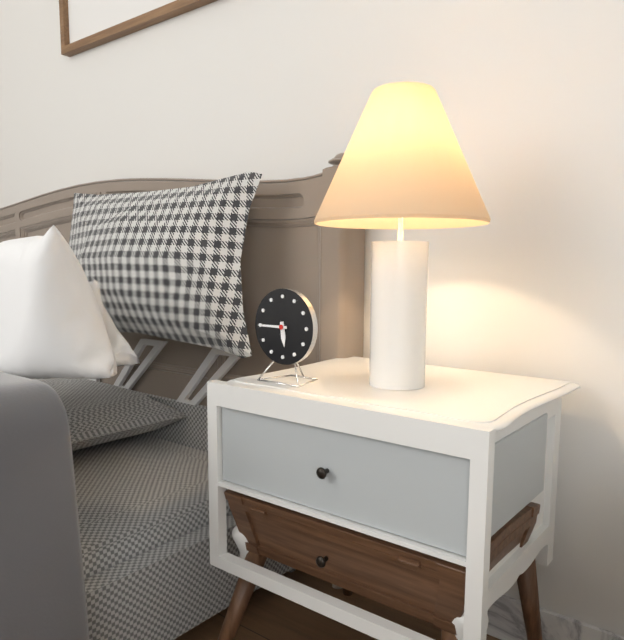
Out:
5 h 45 min
